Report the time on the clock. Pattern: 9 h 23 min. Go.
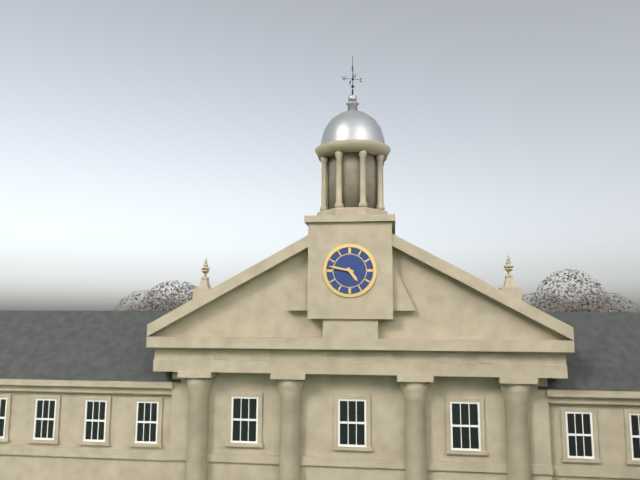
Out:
4 h 47 min
